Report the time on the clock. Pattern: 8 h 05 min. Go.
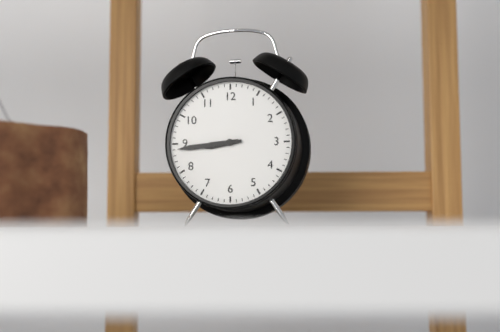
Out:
8 h 44 min
